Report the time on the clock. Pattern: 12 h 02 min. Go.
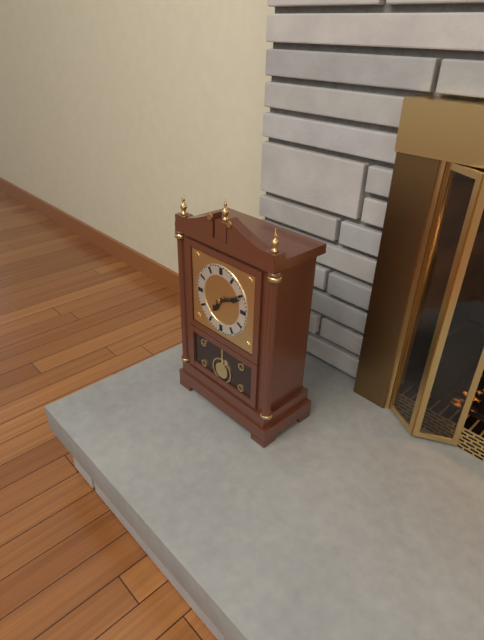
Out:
7 h 11 min
